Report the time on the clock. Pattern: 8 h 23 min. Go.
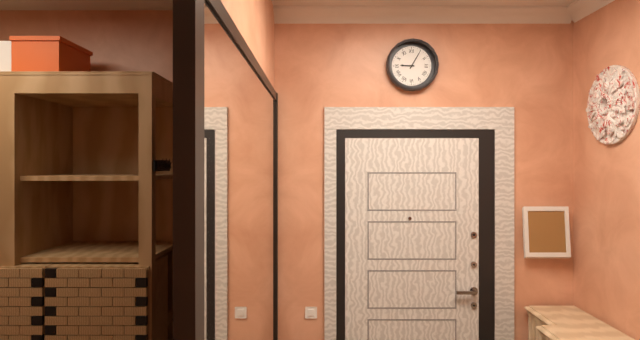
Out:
9 h 05 min
